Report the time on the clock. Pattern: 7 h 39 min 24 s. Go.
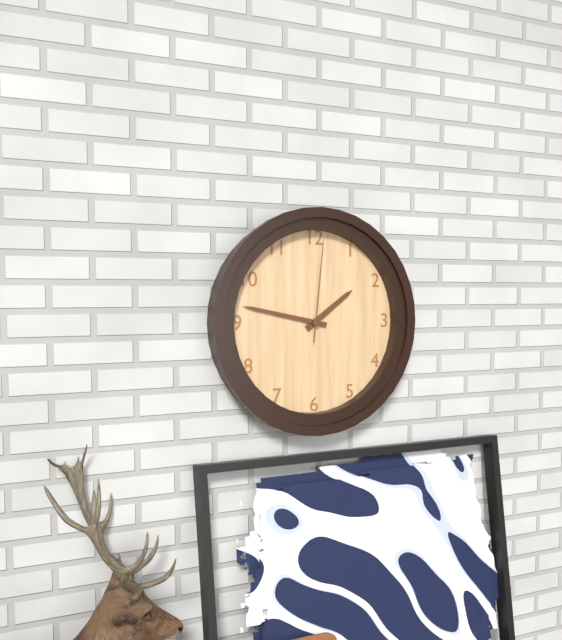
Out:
1 h 47 min 01 s
